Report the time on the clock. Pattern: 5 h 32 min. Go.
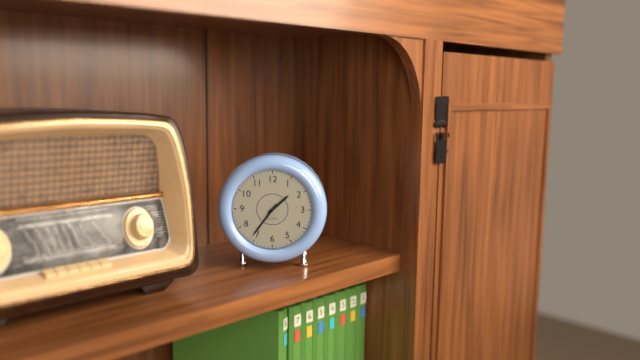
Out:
1 h 36 min
